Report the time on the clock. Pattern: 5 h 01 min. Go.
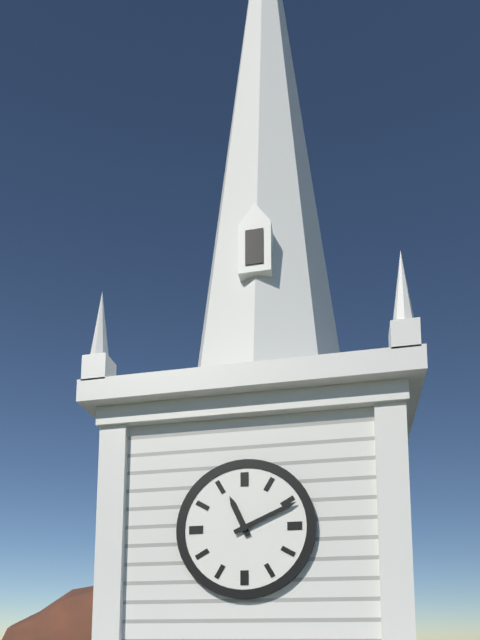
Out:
11 h 11 min
